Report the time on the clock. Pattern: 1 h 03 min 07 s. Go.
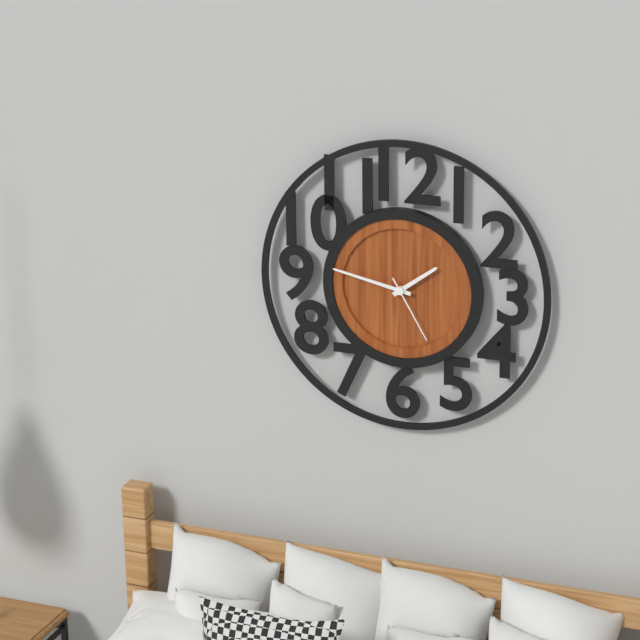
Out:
1 h 47 min 25 s
